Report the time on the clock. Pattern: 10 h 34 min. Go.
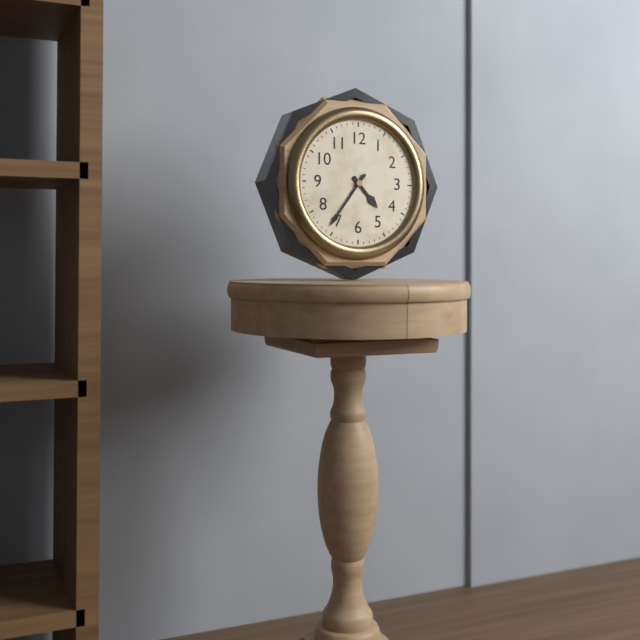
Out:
4 h 36 min
